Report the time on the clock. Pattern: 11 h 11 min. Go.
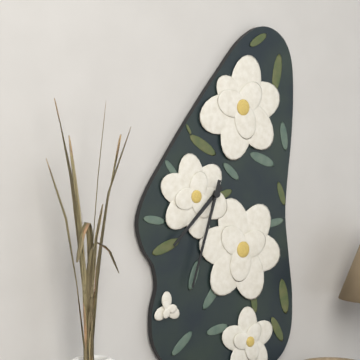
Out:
7 h 33 min
